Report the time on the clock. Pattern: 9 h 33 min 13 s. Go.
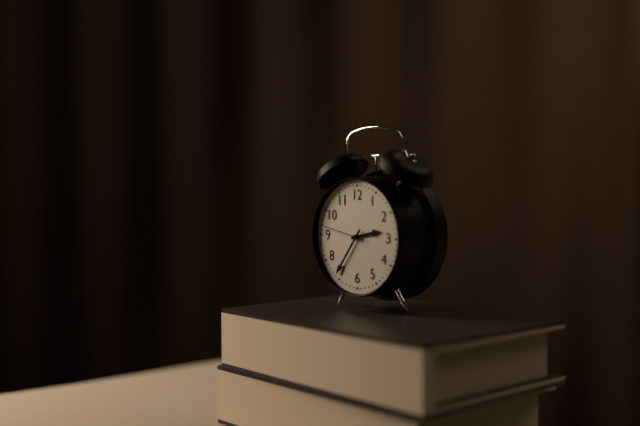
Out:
2 h 36 min 47 s
